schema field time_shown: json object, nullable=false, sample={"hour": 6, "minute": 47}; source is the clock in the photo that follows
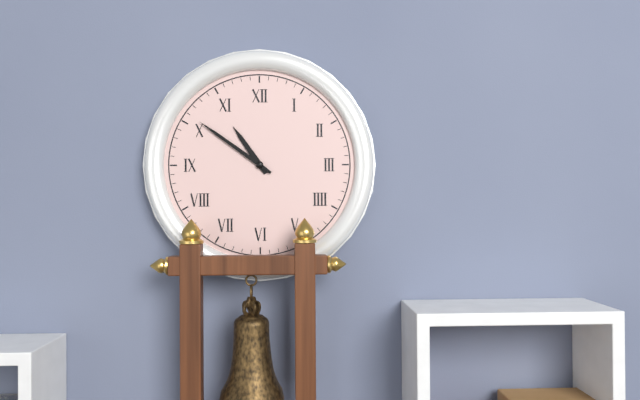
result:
{"hour": 10, "minute": 51}
